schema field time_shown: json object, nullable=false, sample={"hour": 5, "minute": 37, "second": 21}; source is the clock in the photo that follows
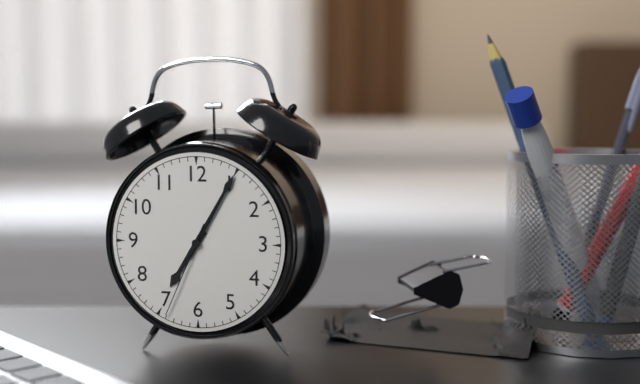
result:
{"hour": 7, "minute": 5, "second": 34}
